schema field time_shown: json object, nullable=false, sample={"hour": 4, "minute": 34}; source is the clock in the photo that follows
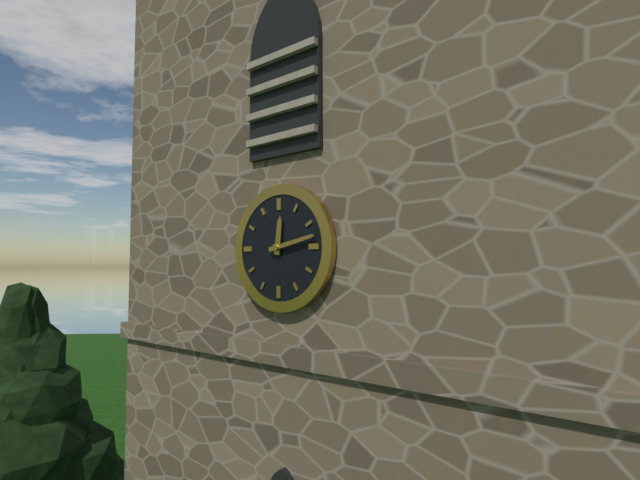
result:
{"hour": 12, "minute": 13}
